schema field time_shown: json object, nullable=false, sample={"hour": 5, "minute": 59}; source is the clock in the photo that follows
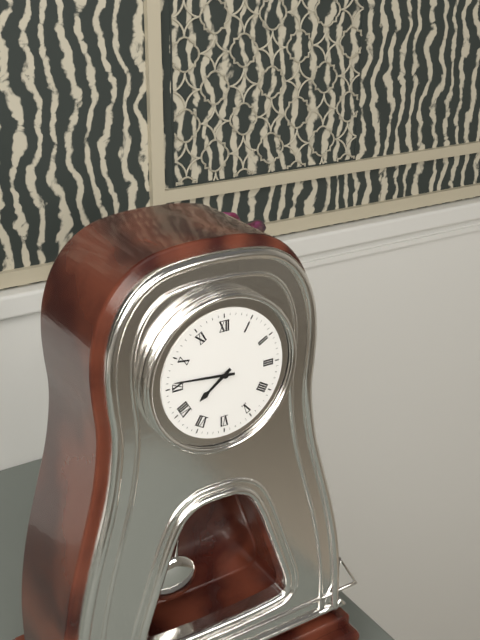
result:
{"hour": 7, "minute": 46}
